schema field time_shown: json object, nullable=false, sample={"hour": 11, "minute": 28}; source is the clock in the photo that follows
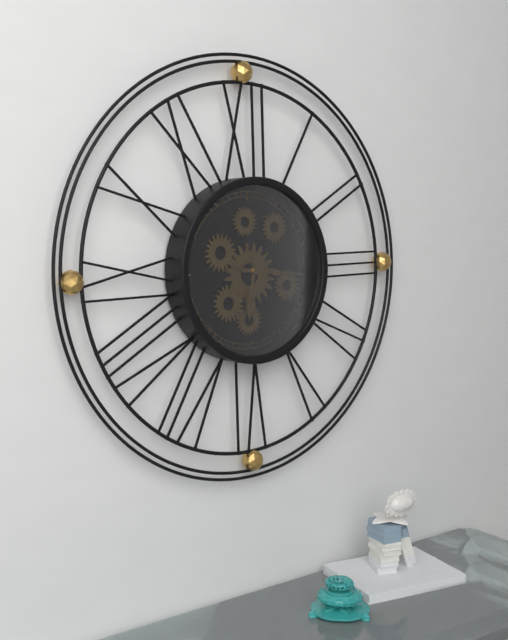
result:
{"hour": 6, "minute": 16}
